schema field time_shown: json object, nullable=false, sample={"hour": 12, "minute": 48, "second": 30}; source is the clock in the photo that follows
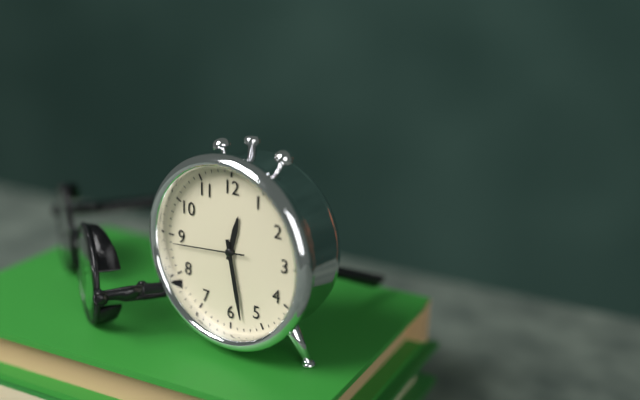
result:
{"hour": 12, "minute": 28, "second": 44}
